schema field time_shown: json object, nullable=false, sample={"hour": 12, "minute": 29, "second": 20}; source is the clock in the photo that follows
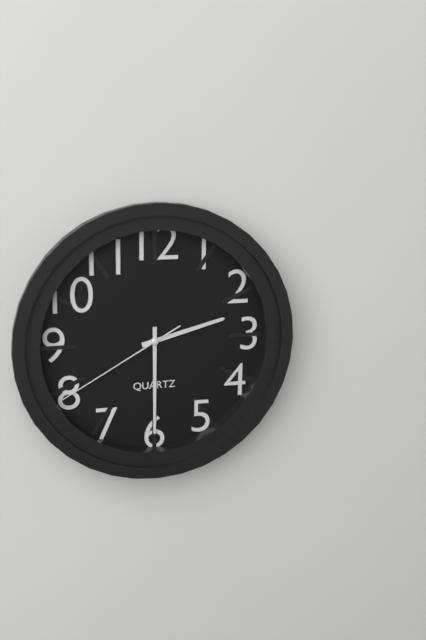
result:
{"hour": 2, "minute": 30, "second": 40}
